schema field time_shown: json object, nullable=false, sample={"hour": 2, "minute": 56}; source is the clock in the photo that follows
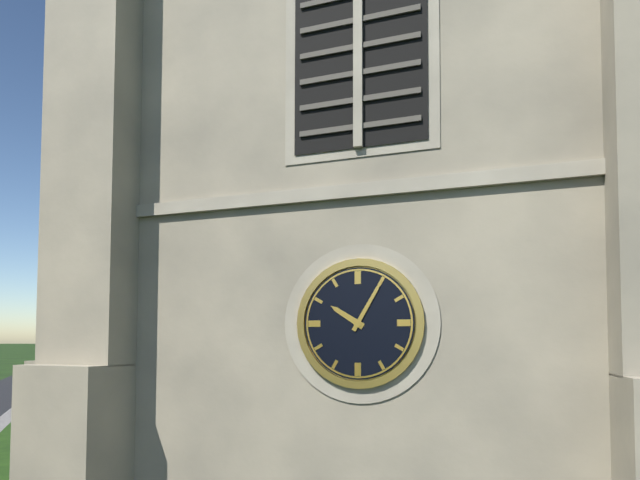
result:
{"hour": 10, "minute": 5}
